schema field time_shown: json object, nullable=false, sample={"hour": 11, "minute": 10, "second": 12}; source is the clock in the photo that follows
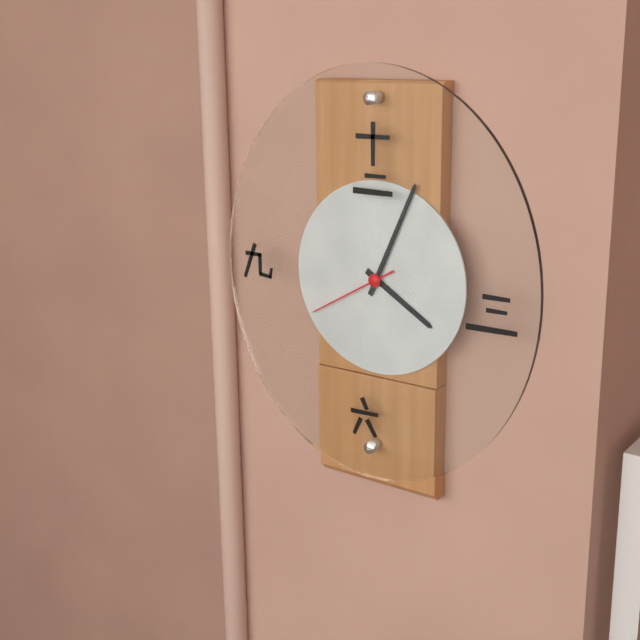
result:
{"hour": 4, "minute": 4, "second": 40}
